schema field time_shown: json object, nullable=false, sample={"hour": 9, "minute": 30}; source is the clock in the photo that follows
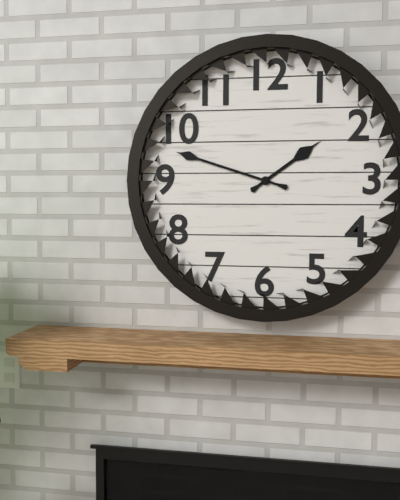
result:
{"hour": 1, "minute": 48}
